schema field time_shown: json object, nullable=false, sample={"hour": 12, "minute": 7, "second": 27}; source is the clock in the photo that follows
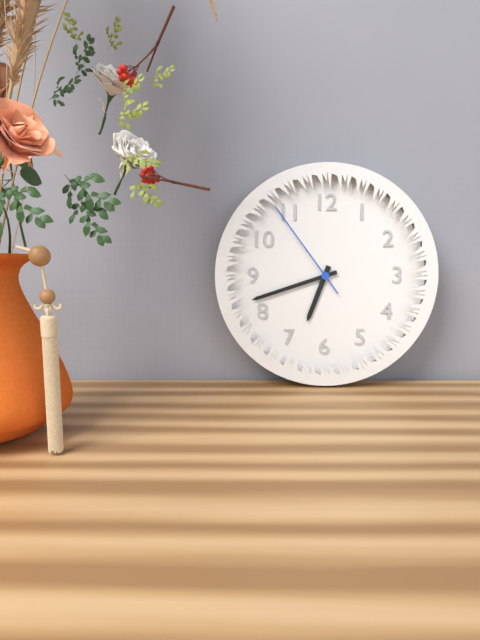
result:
{"hour": 6, "minute": 42, "second": 54}
